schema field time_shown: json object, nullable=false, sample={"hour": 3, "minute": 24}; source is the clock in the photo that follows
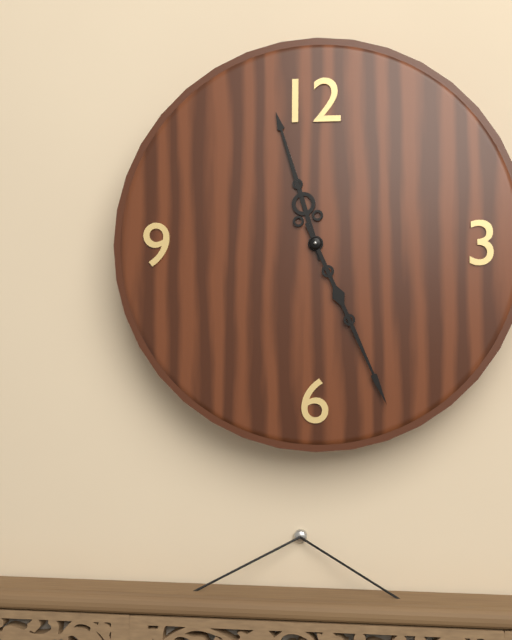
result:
{"hour": 11, "minute": 26}
